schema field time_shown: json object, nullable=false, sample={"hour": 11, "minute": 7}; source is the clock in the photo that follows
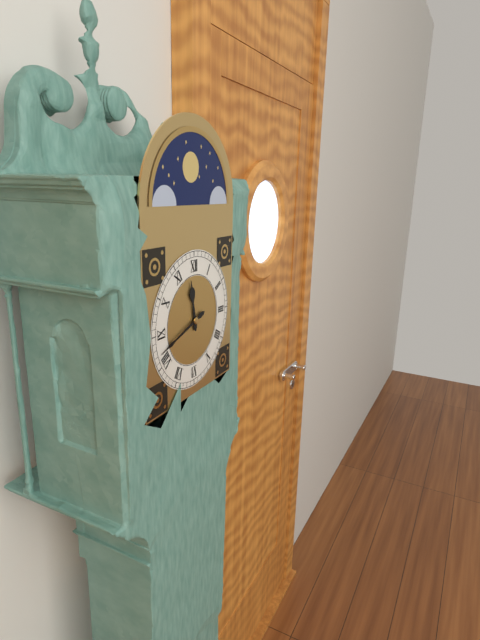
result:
{"hour": 11, "minute": 42}
